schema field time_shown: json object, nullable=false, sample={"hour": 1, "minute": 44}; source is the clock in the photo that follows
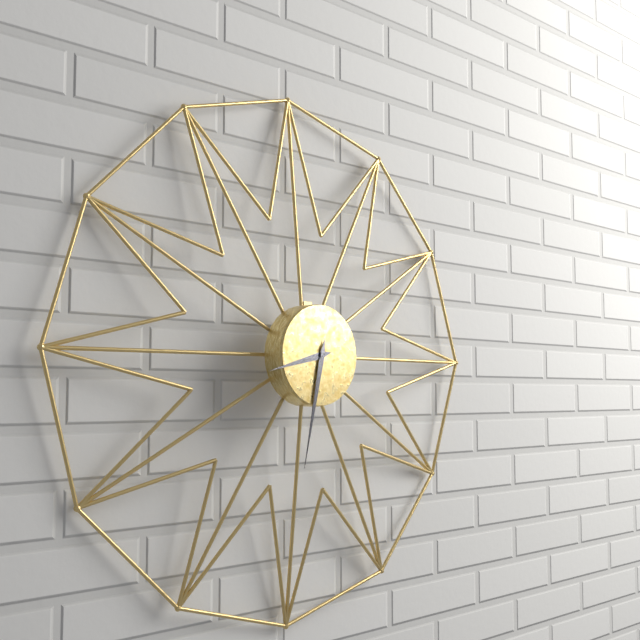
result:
{"hour": 8, "minute": 32}
